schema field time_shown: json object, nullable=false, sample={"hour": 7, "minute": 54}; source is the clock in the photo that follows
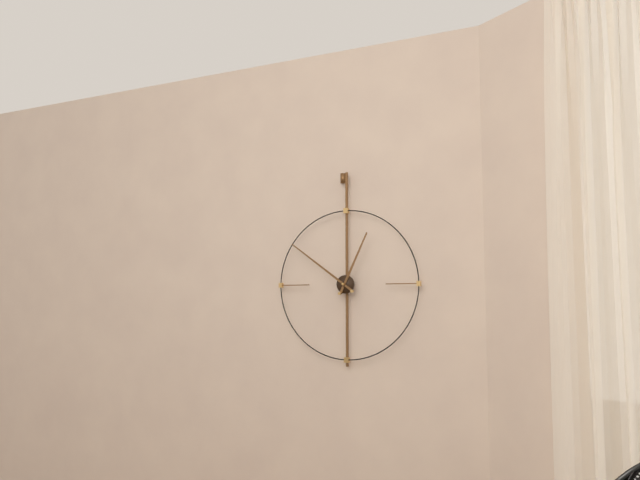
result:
{"hour": 12, "minute": 51}
